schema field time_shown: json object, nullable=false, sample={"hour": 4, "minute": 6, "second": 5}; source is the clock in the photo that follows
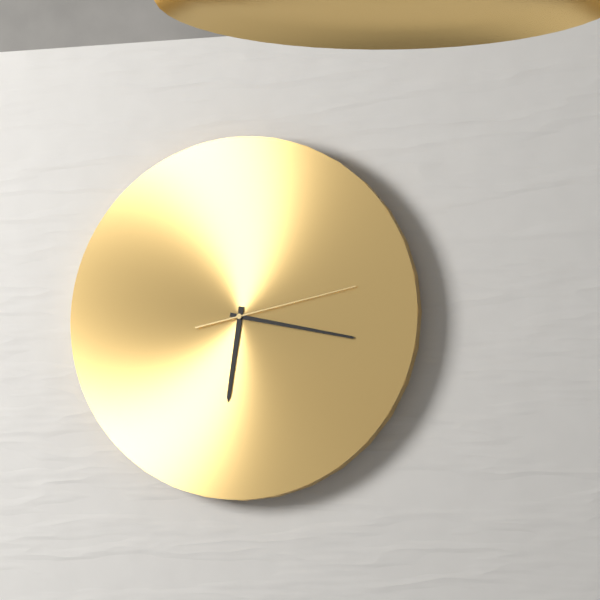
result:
{"hour": 6, "minute": 17, "second": 13}
